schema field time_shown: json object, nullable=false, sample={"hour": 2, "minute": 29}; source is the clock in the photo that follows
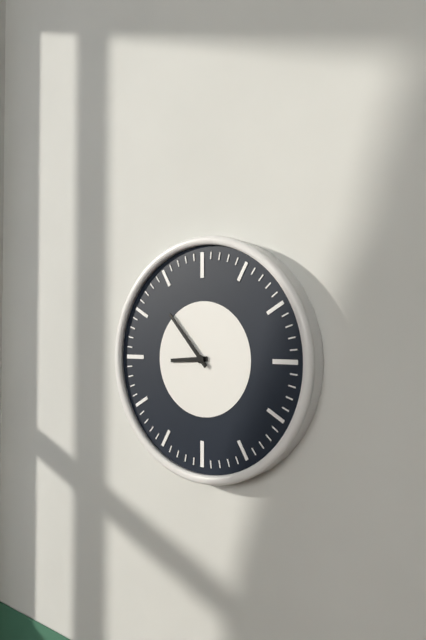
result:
{"hour": 8, "minute": 53}
